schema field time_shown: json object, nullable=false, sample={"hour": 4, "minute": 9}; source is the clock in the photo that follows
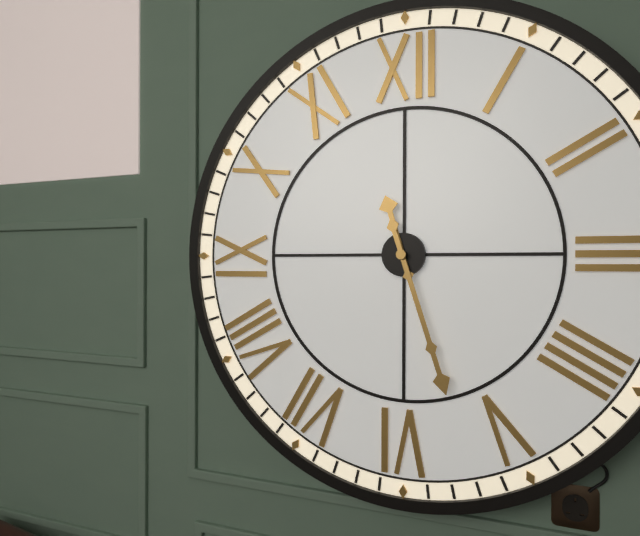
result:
{"hour": 11, "minute": 27}
